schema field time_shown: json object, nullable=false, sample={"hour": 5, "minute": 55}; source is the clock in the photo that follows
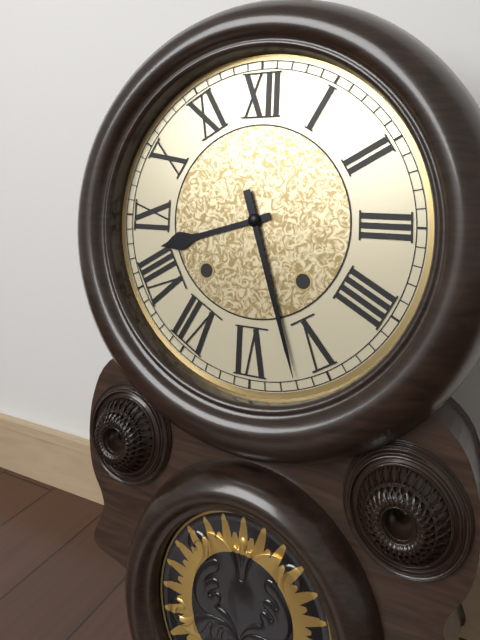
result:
{"hour": 8, "minute": 27}
